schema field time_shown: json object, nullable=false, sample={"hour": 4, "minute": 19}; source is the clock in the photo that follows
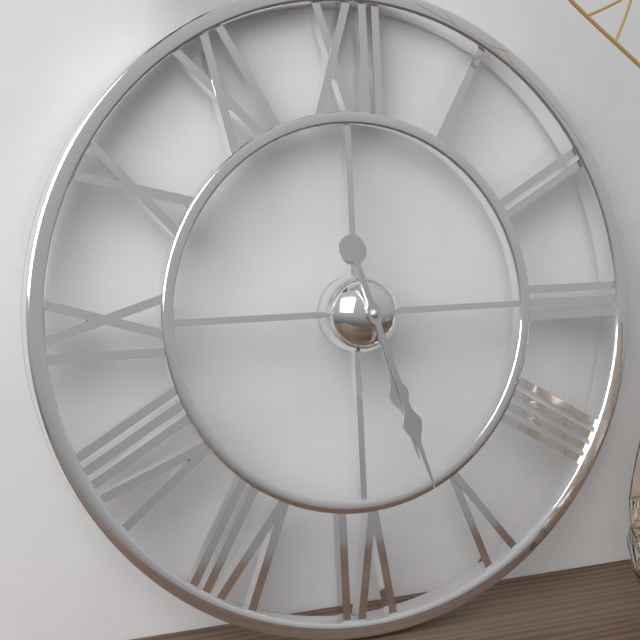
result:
{"hour": 5, "minute": 27}
